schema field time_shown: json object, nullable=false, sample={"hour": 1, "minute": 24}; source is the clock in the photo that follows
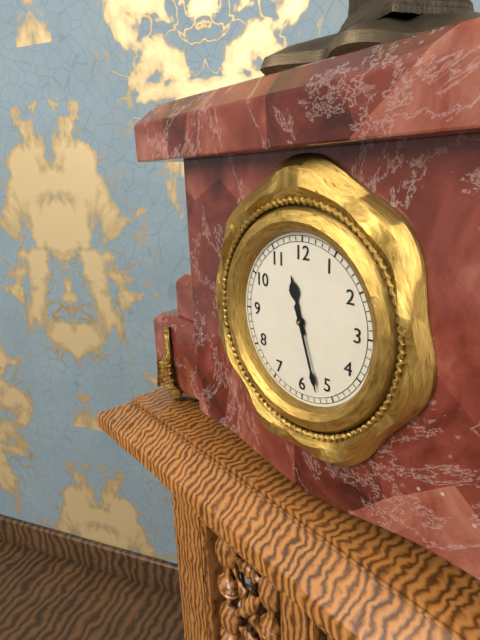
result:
{"hour": 11, "minute": 27}
